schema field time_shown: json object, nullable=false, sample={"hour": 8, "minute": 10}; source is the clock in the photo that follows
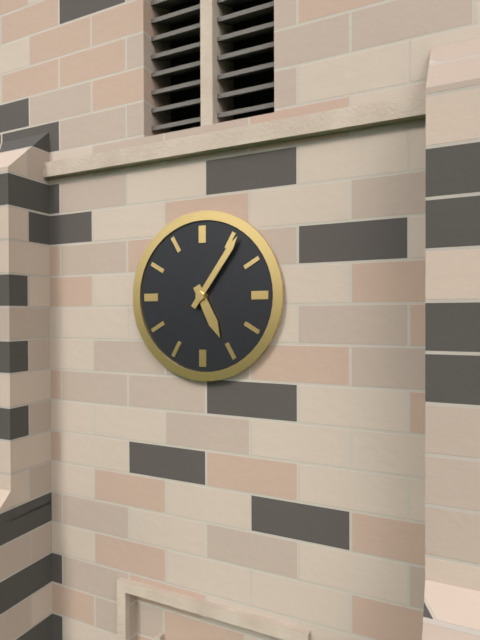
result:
{"hour": 5, "minute": 6}
